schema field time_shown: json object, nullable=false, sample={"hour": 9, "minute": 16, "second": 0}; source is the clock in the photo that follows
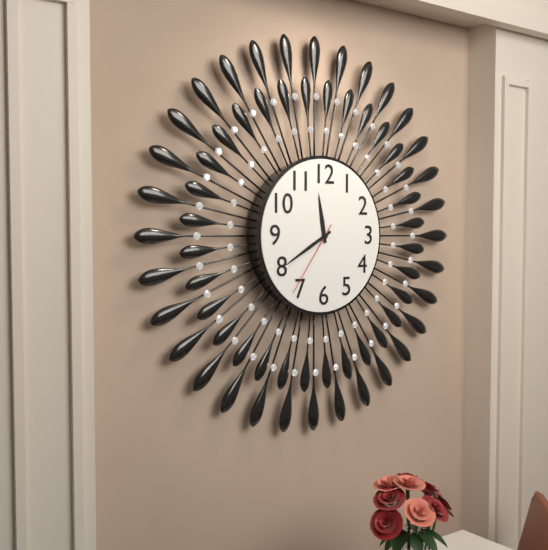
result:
{"hour": 11, "minute": 40, "second": 36}
